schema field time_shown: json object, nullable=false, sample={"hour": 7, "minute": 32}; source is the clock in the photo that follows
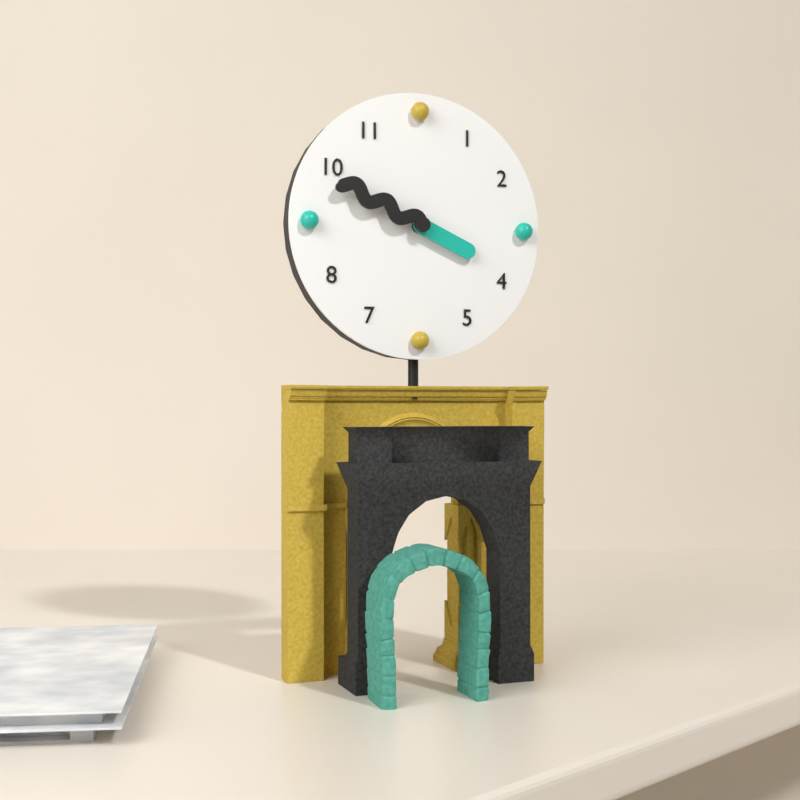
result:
{"hour": 3, "minute": 49}
